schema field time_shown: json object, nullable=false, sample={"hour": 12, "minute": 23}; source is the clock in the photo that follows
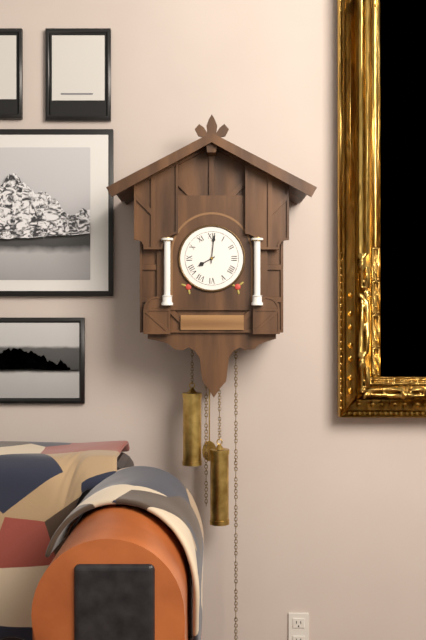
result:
{"hour": 8, "minute": 1}
